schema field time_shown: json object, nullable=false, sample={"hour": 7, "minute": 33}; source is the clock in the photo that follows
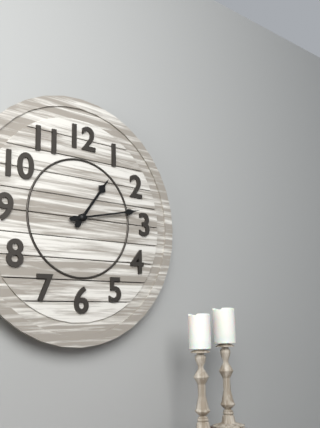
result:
{"hour": 1, "minute": 13}
